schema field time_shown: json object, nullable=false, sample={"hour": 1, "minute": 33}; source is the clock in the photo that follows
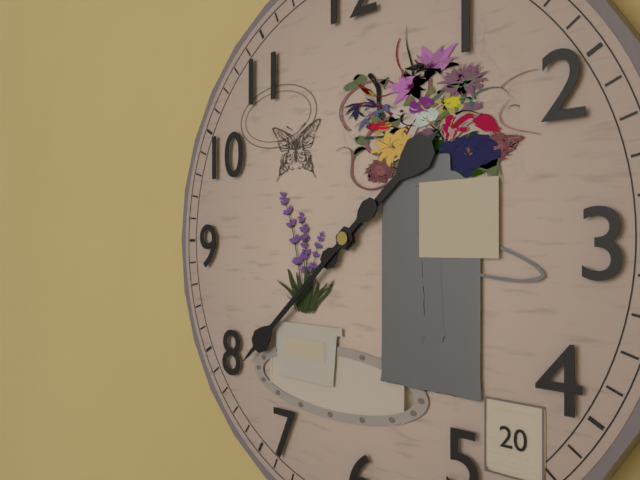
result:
{"hour": 1, "minute": 38}
